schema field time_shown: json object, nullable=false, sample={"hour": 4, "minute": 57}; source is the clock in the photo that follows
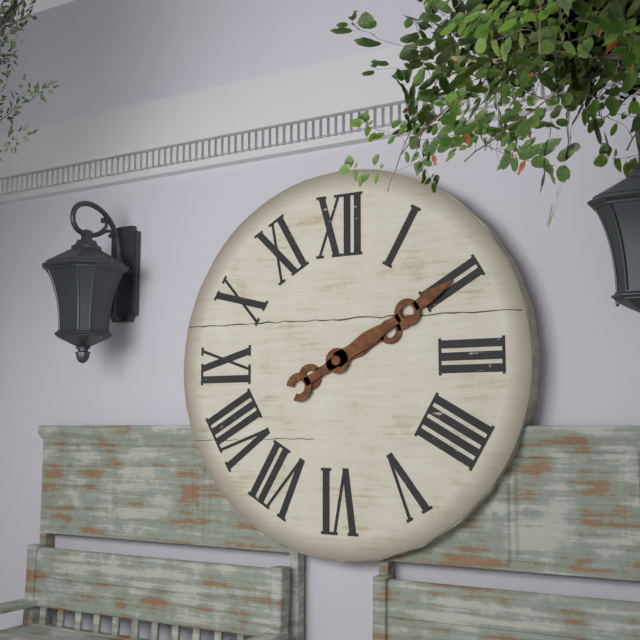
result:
{"hour": 2, "minute": 10}
